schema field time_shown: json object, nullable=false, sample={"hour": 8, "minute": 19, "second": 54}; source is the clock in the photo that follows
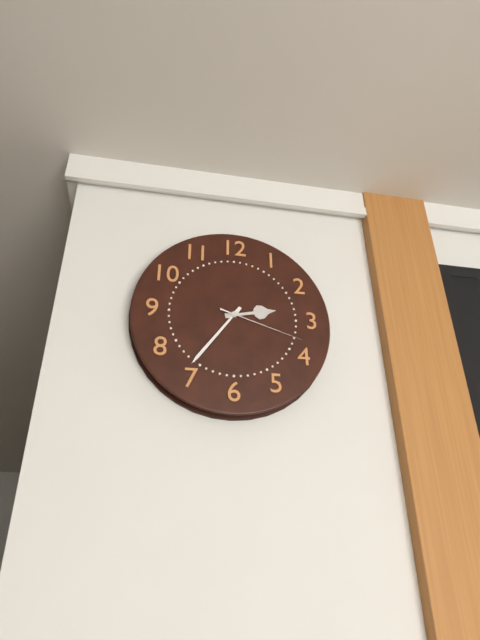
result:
{"hour": 2, "minute": 36, "second": 18}
